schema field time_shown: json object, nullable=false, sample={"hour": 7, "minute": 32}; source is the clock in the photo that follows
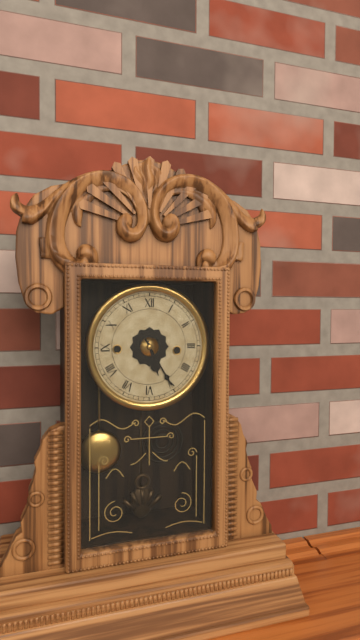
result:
{"hour": 5, "minute": 25}
